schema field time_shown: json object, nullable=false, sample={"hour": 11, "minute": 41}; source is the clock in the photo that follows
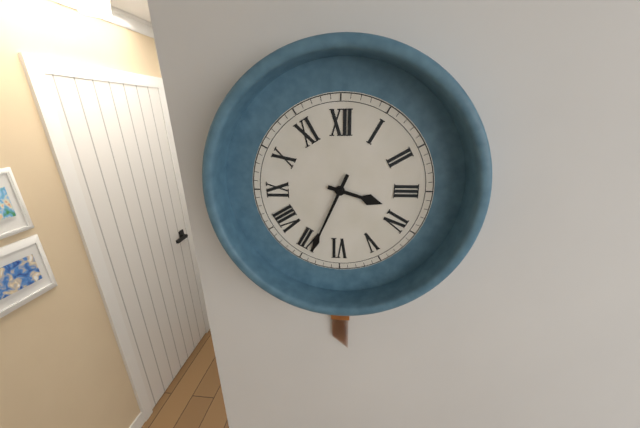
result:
{"hour": 3, "minute": 34}
